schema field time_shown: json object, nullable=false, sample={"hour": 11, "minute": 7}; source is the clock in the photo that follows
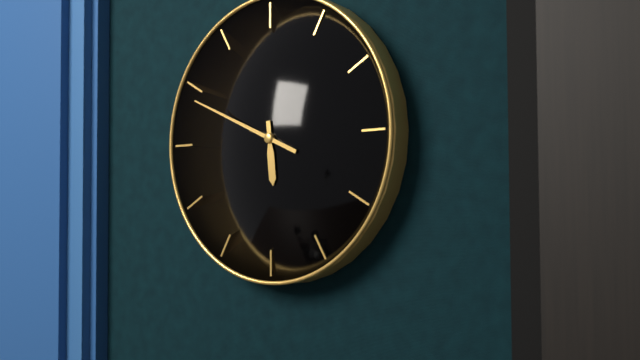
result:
{"hour": 5, "minute": 49}
